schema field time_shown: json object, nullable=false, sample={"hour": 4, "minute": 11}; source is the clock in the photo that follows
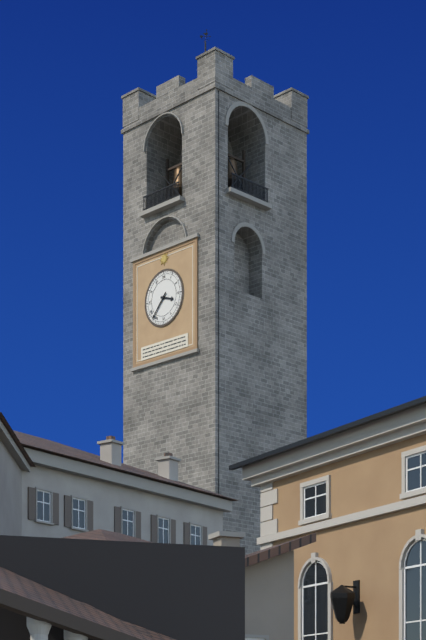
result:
{"hour": 3, "minute": 37}
